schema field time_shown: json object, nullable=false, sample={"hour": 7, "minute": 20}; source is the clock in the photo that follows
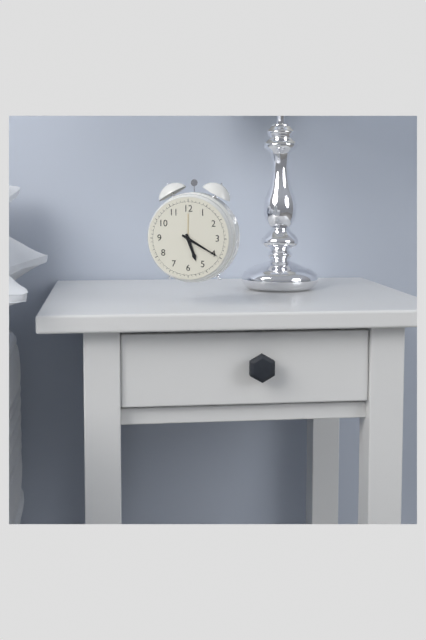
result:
{"hour": 5, "minute": 20}
